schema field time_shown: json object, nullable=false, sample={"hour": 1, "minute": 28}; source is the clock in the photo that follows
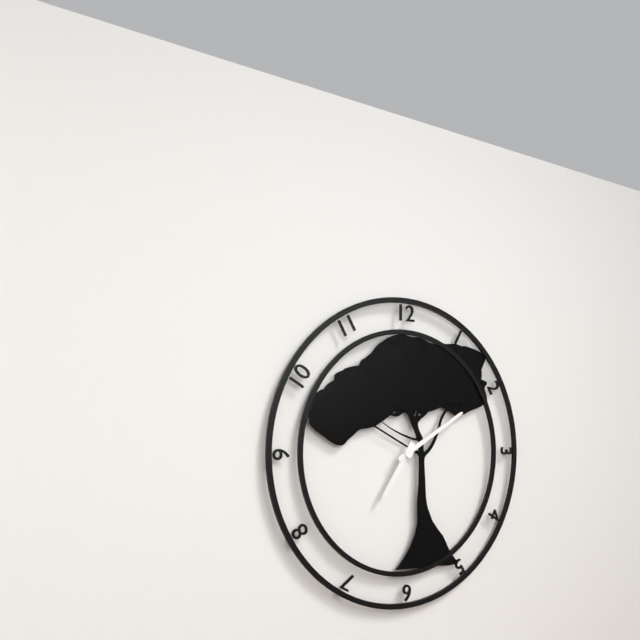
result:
{"hour": 7, "minute": 10}
